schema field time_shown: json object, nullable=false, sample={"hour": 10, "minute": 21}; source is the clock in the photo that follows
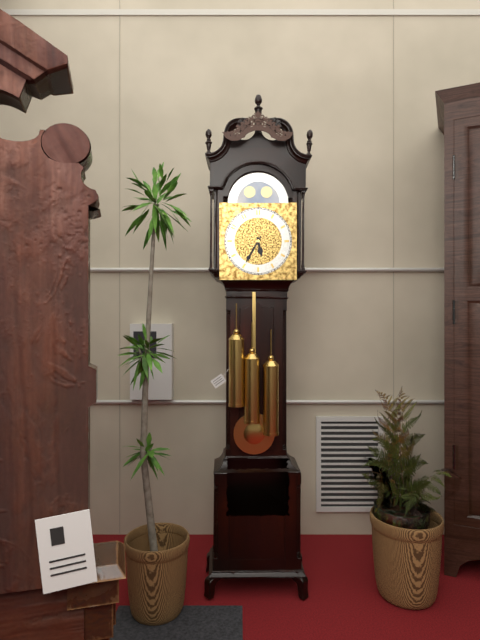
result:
{"hour": 5, "minute": 35}
